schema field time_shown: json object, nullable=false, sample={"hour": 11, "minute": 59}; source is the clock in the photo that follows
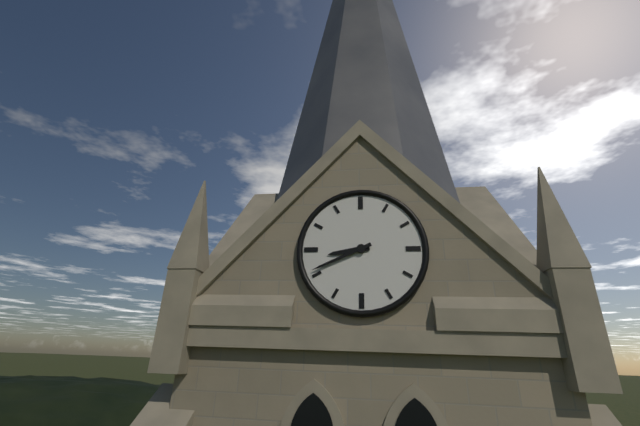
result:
{"hour": 8, "minute": 41}
